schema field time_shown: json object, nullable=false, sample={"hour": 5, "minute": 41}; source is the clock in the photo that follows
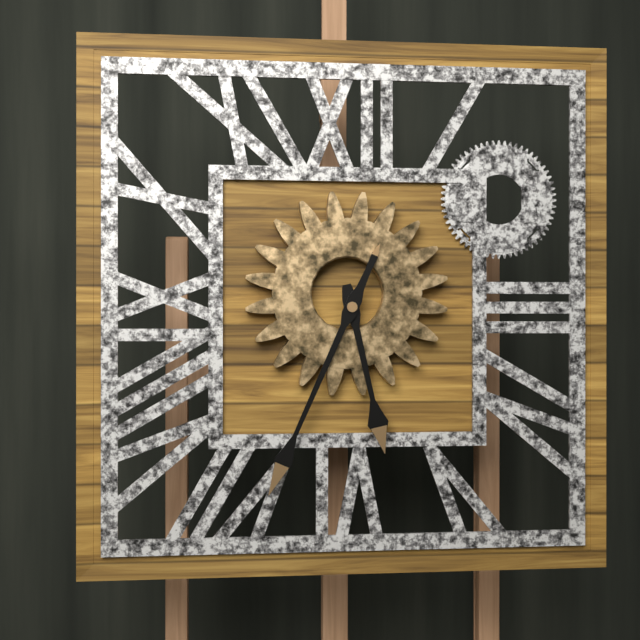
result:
{"hour": 5, "minute": 34}
